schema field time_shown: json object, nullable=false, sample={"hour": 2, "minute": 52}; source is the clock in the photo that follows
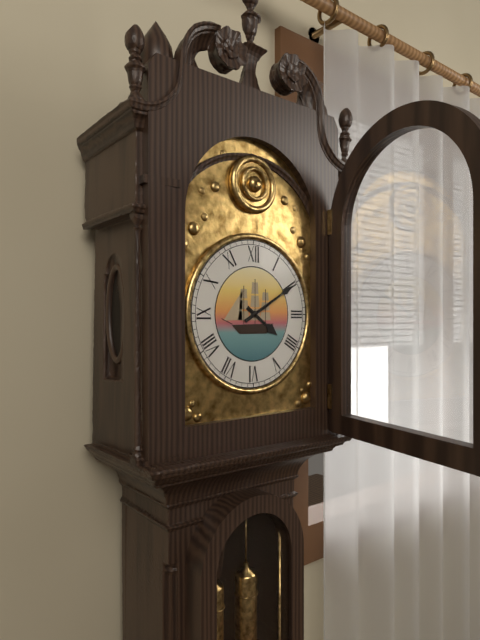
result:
{"hour": 4, "minute": 10}
